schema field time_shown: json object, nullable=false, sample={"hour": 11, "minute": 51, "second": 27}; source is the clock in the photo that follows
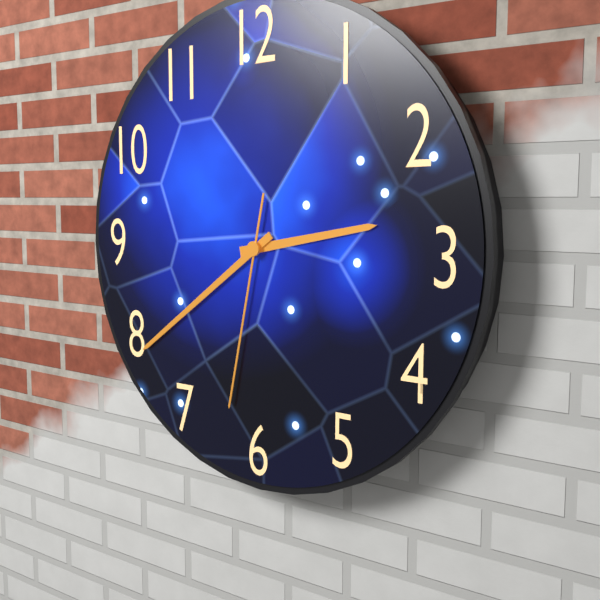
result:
{"hour": 2, "minute": 39, "second": 32}
